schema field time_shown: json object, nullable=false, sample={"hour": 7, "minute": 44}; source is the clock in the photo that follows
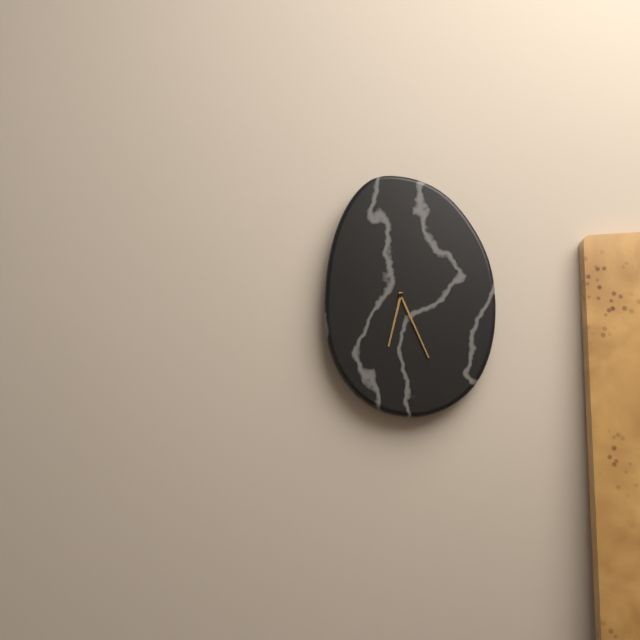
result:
{"hour": 6, "minute": 26}
